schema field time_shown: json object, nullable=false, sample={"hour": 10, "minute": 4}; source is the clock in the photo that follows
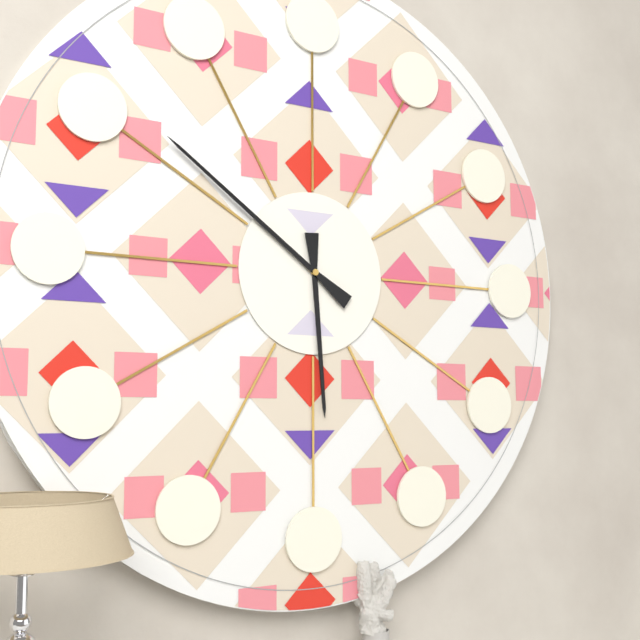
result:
{"hour": 5, "minute": 51}
